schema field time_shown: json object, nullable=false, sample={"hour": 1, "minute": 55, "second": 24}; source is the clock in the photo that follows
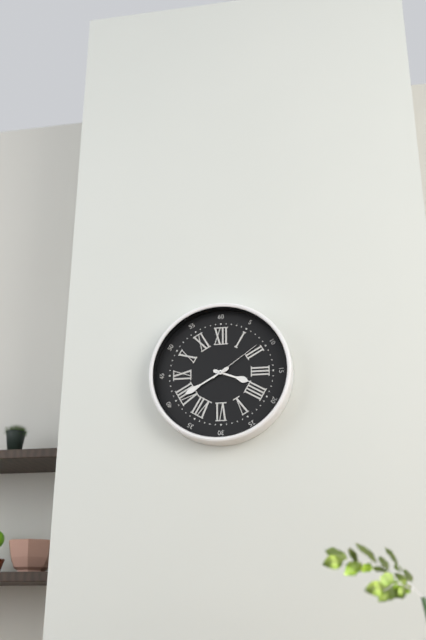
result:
{"hour": 3, "minute": 40, "second": 9}
